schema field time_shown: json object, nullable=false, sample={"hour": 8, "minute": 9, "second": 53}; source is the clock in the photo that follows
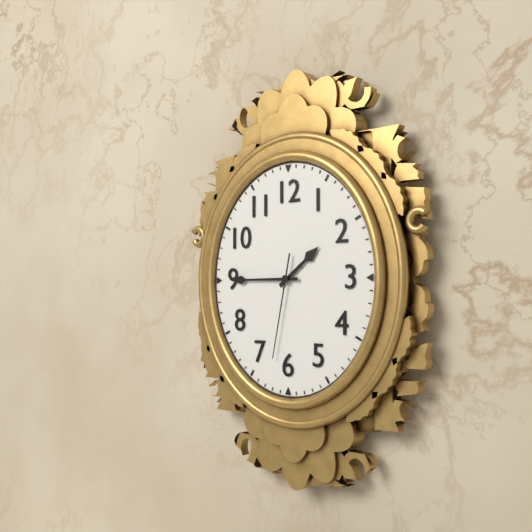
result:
{"hour": 1, "minute": 45, "second": 32}
